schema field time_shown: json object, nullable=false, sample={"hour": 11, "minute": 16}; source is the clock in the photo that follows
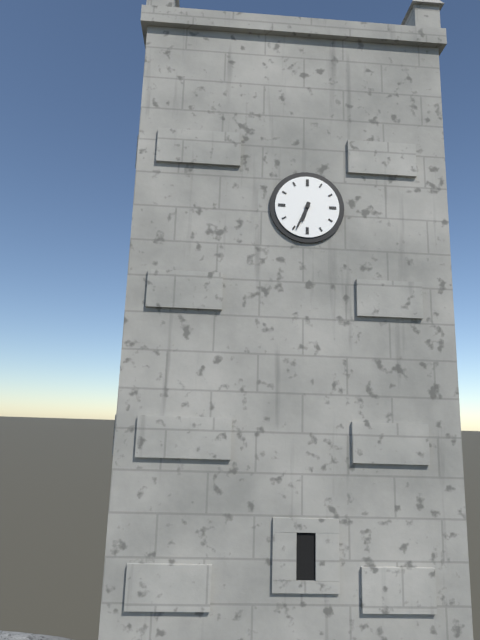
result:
{"hour": 6, "minute": 34}
